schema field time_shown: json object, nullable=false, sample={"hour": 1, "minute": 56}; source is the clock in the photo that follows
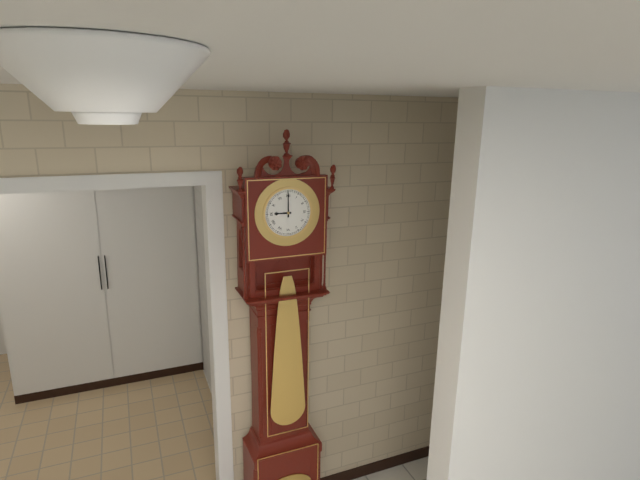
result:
{"hour": 9, "minute": 0}
